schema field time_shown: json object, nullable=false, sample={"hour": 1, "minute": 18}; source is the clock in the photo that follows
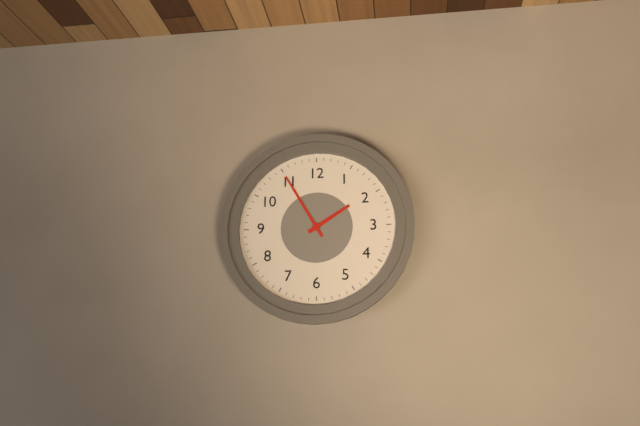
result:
{"hour": 1, "minute": 55}
